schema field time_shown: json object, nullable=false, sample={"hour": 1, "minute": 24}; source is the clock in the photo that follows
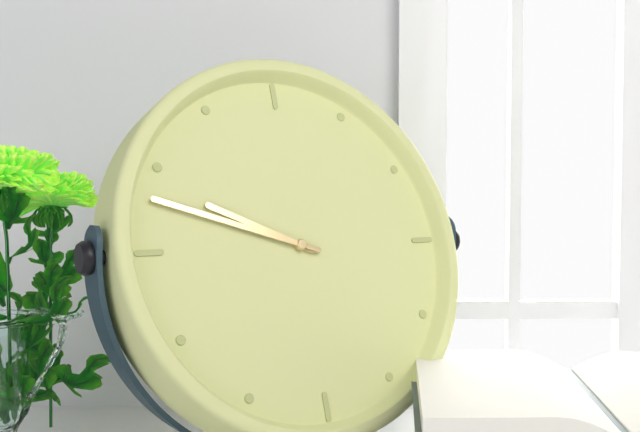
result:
{"hour": 9, "minute": 48}
